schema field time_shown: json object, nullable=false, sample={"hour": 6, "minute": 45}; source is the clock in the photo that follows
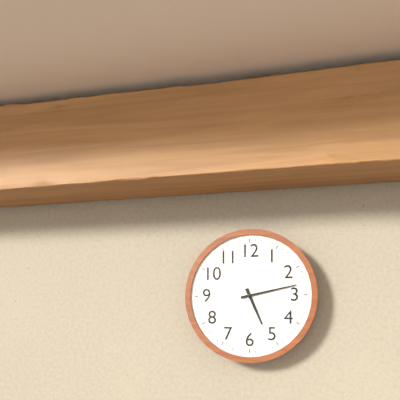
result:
{"hour": 5, "minute": 13}
